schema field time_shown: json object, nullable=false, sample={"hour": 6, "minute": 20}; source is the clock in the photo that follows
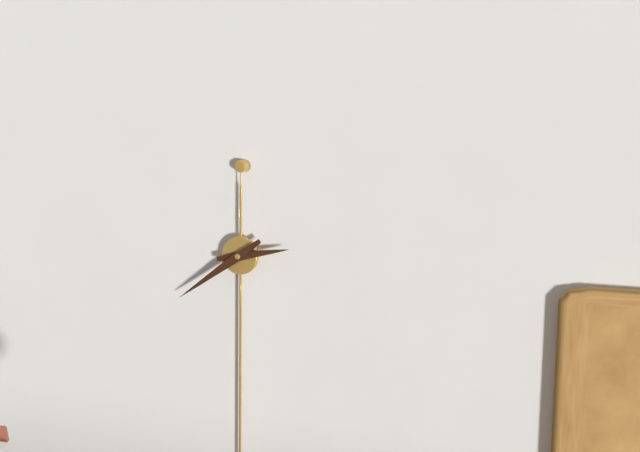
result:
{"hour": 2, "minute": 39}
